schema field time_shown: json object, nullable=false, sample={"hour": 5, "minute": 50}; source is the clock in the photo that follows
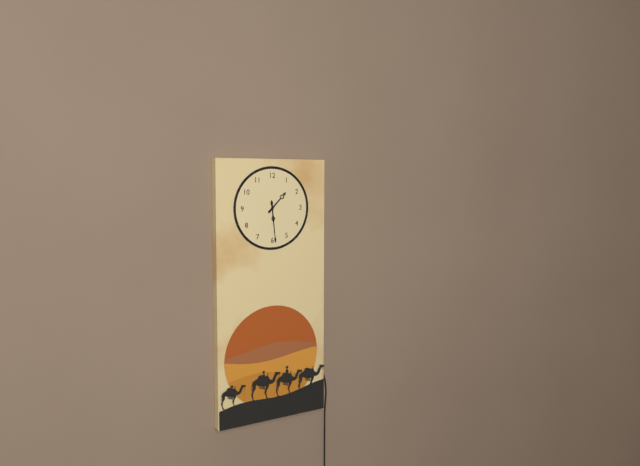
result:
{"hour": 1, "minute": 29}
